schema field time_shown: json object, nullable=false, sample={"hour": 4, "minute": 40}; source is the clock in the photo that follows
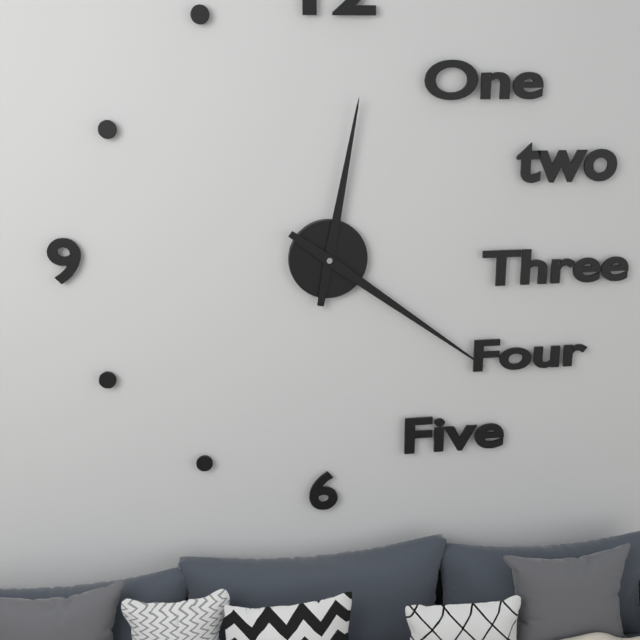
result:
{"hour": 12, "minute": 21}
